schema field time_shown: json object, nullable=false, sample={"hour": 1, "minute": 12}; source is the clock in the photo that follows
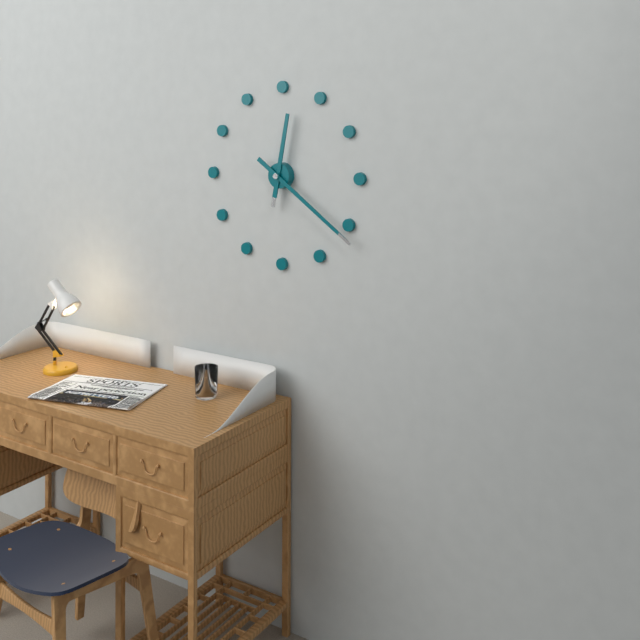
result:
{"hour": 12, "minute": 21}
